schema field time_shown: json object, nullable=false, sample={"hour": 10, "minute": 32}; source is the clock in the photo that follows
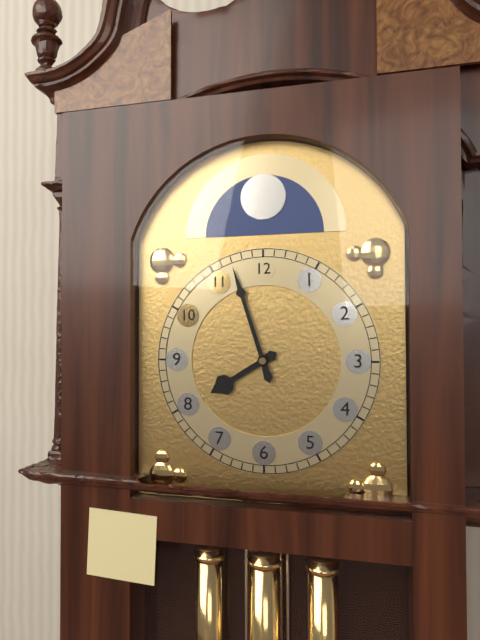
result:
{"hour": 7, "minute": 57}
